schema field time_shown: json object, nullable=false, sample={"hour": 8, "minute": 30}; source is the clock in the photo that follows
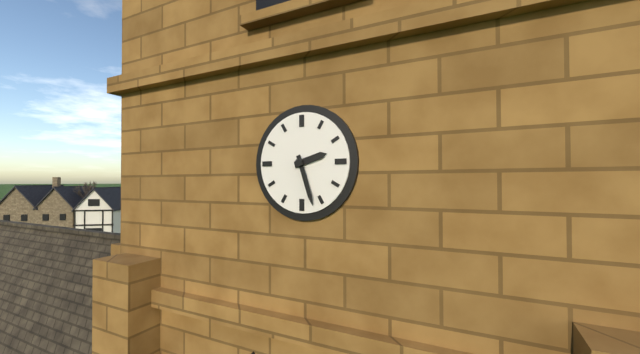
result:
{"hour": 2, "minute": 27}
